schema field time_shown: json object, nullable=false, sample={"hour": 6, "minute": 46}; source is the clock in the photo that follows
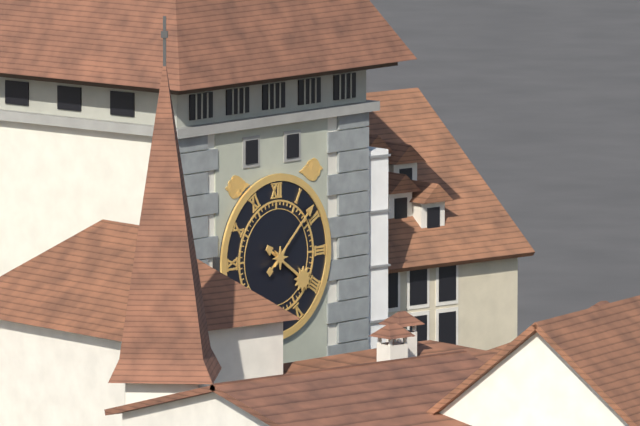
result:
{"hour": 4, "minute": 8}
